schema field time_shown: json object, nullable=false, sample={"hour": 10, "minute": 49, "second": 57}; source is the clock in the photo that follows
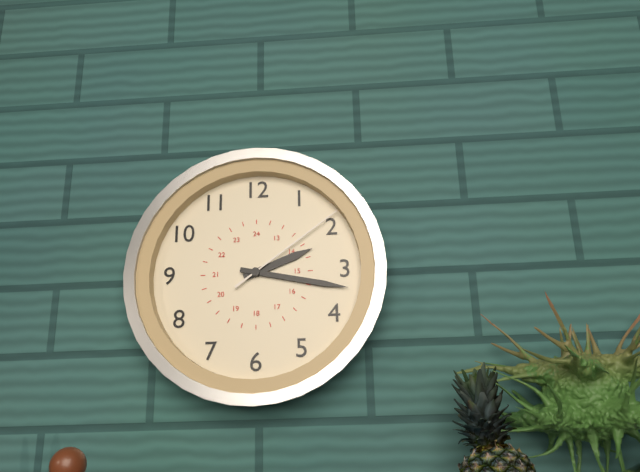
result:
{"hour": 2, "minute": 17, "second": 9}
